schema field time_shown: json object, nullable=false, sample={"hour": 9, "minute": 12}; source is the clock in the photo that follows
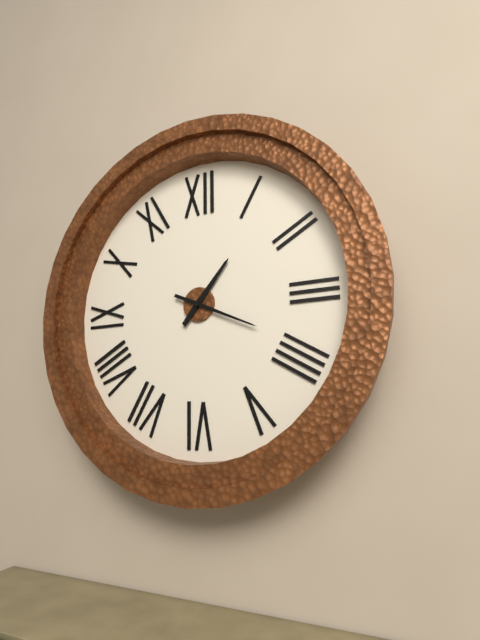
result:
{"hour": 1, "minute": 19}
